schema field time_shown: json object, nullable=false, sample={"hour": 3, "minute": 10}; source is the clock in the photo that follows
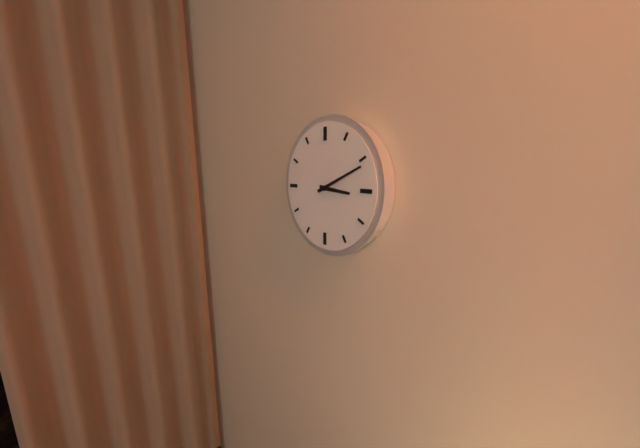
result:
{"hour": 3, "minute": 11}
